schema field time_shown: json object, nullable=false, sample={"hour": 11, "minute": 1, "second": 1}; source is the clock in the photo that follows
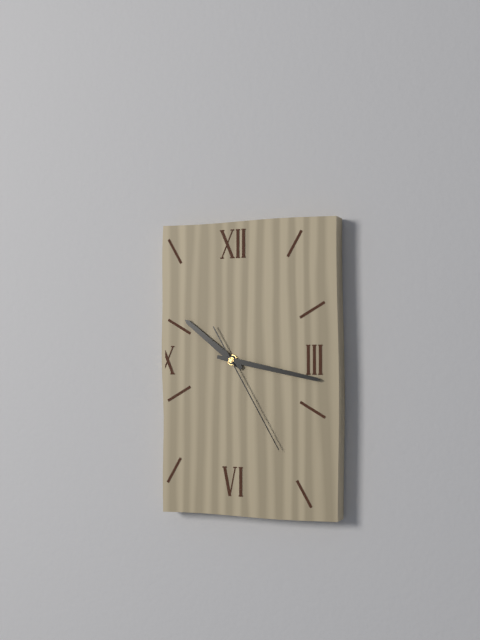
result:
{"hour": 10, "minute": 17, "second": 25}
